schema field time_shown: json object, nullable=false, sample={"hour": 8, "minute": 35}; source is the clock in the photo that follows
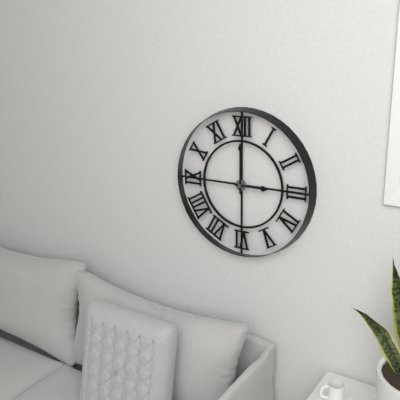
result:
{"hour": 3, "minute": 0}
